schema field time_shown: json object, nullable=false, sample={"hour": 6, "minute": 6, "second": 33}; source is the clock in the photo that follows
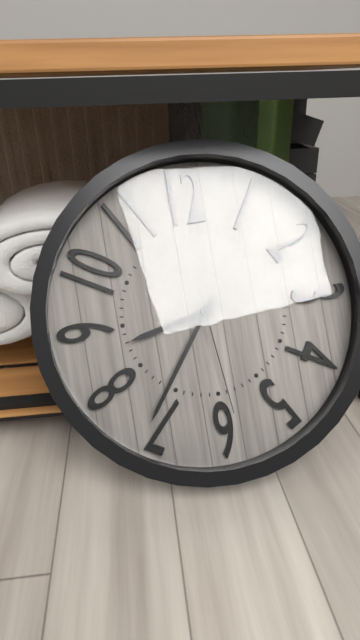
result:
{"hour": 8, "minute": 36, "second": 29}
